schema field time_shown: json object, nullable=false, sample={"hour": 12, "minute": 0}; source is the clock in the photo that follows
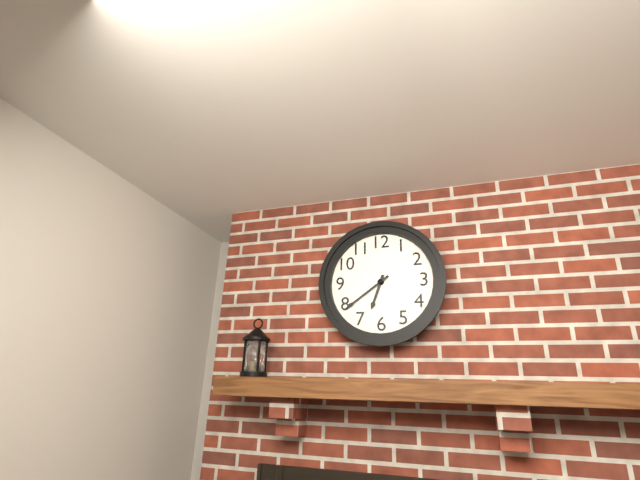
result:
{"hour": 6, "minute": 39}
